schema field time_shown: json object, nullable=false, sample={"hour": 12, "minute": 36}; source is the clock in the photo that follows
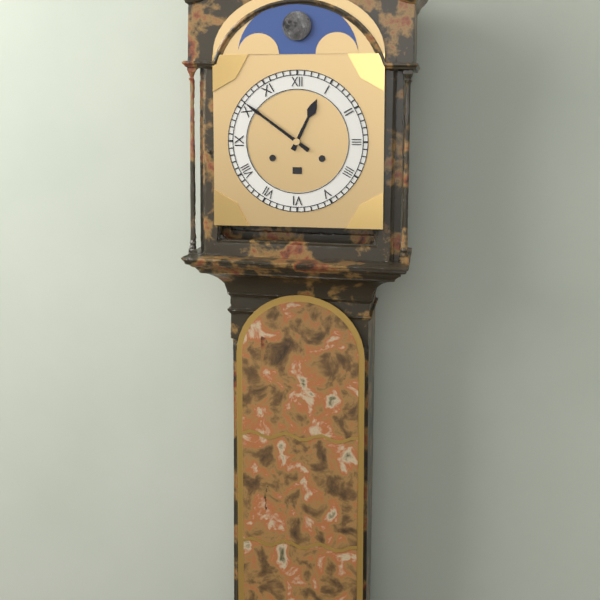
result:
{"hour": 12, "minute": 51}
